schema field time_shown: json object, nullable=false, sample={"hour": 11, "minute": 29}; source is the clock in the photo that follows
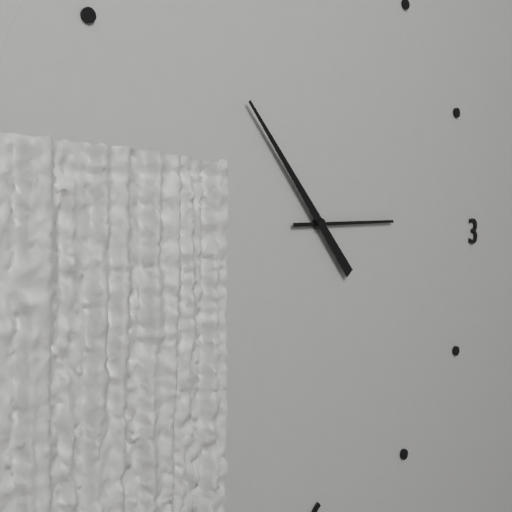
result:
{"hour": 2, "minute": 53}
